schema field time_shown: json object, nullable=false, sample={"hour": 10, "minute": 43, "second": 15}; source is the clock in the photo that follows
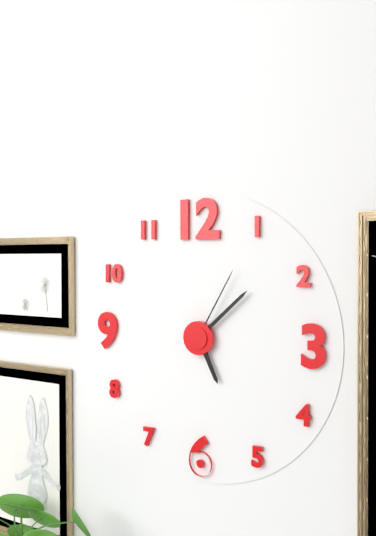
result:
{"hour": 5, "minute": 8, "second": 5}
